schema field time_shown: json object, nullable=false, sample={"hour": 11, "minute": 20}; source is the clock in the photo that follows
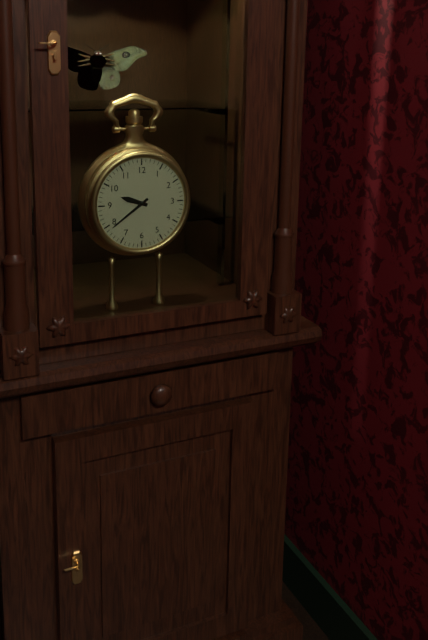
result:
{"hour": 9, "minute": 39}
